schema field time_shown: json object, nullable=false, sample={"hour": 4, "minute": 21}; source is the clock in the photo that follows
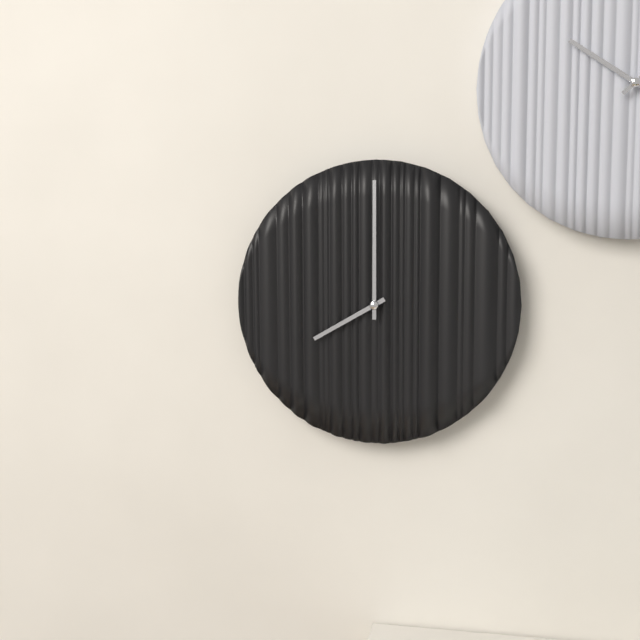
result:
{"hour": 8, "minute": 0}
